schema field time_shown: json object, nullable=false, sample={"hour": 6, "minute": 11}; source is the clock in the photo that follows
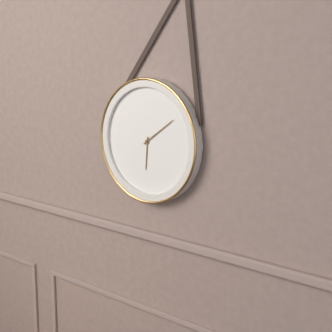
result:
{"hour": 6, "minute": 9}
